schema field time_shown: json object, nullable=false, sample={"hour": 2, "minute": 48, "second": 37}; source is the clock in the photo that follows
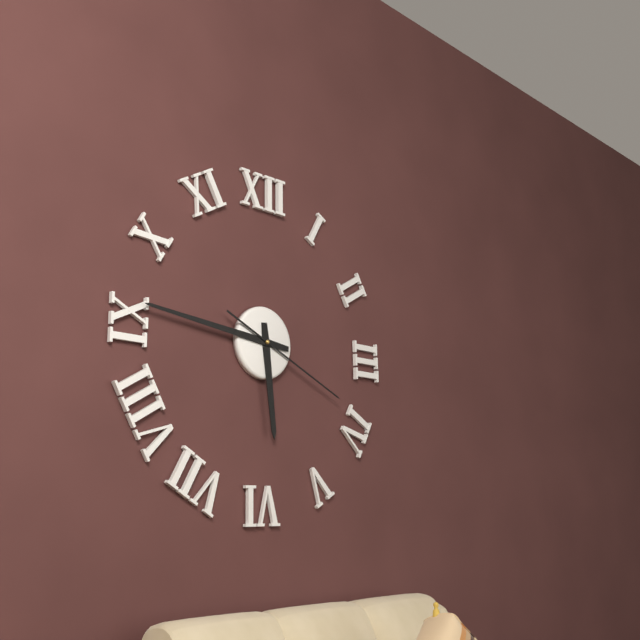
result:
{"hour": 5, "minute": 46, "second": 19}
